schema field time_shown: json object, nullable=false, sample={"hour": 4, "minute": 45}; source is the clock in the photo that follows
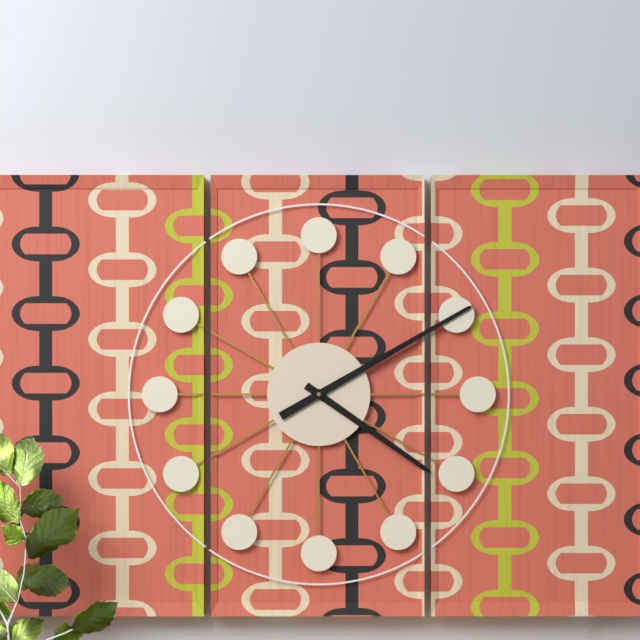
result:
{"hour": 4, "minute": 10}
